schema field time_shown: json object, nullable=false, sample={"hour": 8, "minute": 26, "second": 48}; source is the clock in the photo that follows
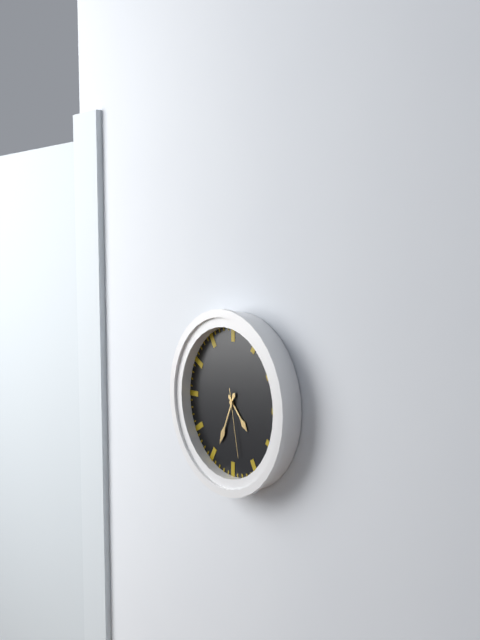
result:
{"hour": 4, "minute": 34, "second": 28}
